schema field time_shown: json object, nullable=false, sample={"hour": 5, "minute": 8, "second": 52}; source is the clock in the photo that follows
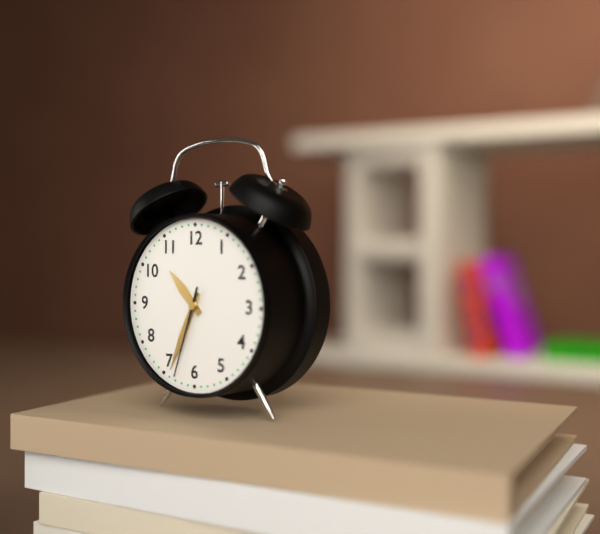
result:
{"hour": 10, "minute": 34, "second": 33}
